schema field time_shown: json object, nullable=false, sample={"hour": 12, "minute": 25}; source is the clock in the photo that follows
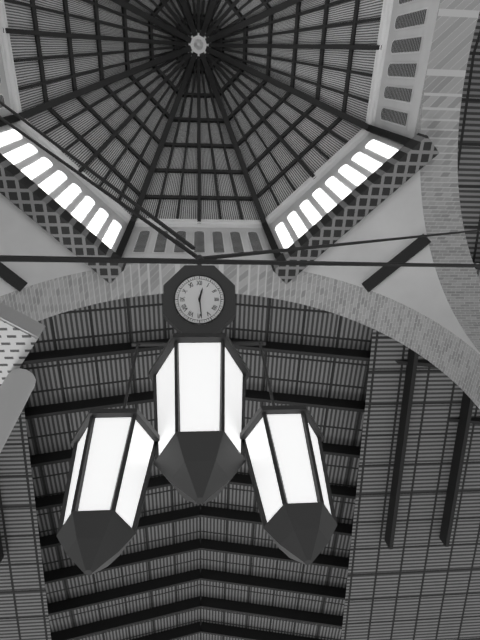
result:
{"hour": 12, "minute": 29}
